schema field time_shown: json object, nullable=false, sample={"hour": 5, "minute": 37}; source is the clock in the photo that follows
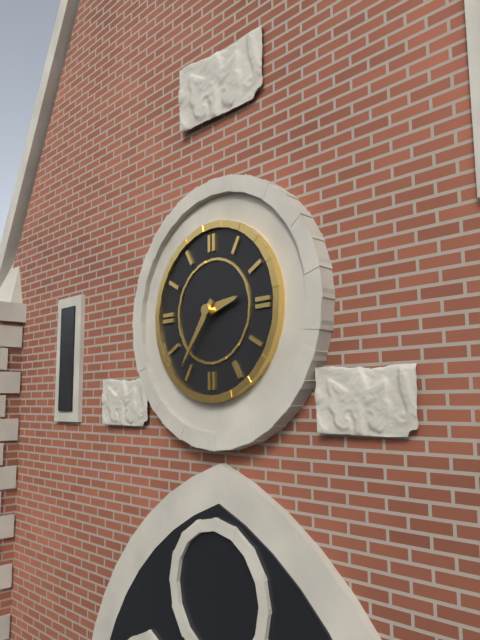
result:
{"hour": 2, "minute": 36}
